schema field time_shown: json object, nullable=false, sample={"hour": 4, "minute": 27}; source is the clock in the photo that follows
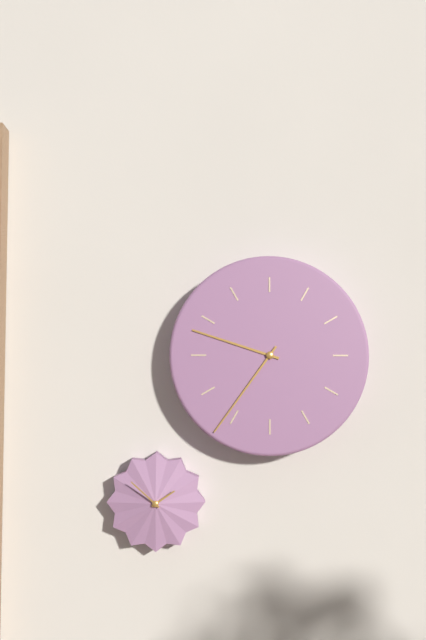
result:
{"hour": 9, "minute": 36}
